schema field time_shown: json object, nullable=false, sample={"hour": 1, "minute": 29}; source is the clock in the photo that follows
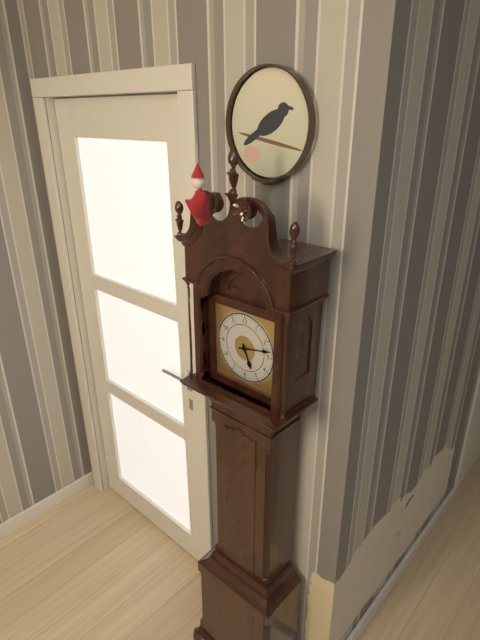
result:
{"hour": 5, "minute": 13}
